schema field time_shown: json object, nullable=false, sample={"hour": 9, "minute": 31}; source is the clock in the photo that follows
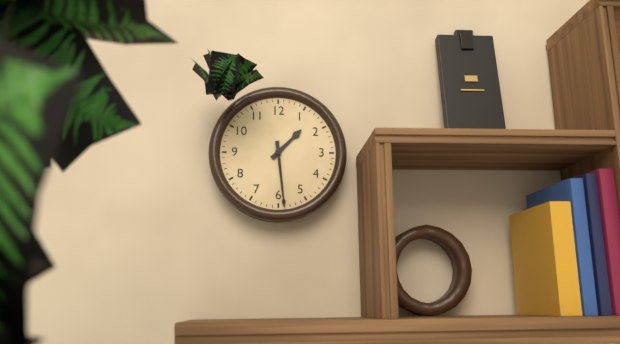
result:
{"hour": 1, "minute": 29}
